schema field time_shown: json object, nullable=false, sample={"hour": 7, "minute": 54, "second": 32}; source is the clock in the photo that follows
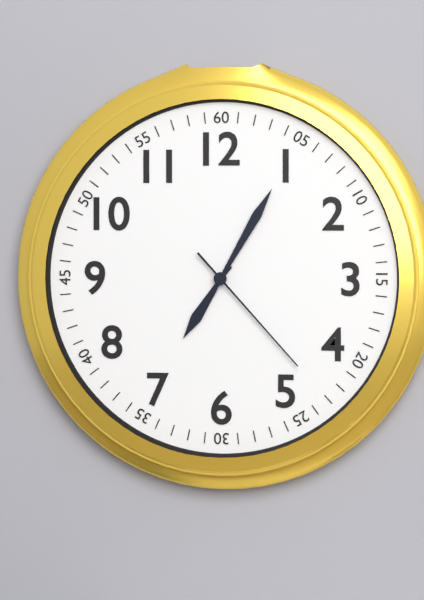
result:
{"hour": 7, "minute": 5, "second": 23}
